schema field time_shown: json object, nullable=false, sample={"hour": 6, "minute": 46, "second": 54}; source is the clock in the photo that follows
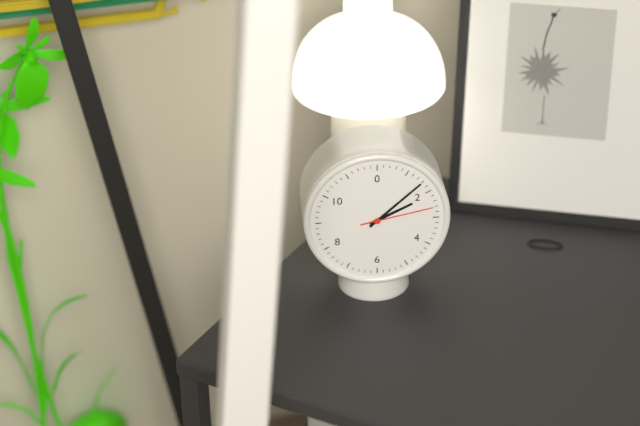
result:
{"hour": 2, "minute": 8, "second": 13}
